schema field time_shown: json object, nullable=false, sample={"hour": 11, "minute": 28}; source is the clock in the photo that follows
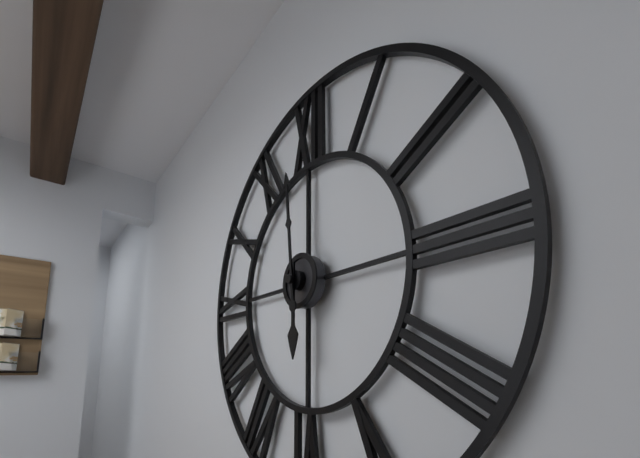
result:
{"hour": 5, "minute": 59}
